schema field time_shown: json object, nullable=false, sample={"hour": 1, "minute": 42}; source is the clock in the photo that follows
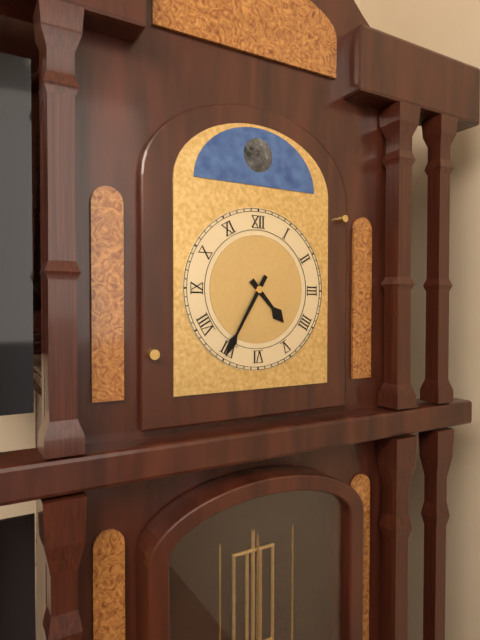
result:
{"hour": 4, "minute": 35}
